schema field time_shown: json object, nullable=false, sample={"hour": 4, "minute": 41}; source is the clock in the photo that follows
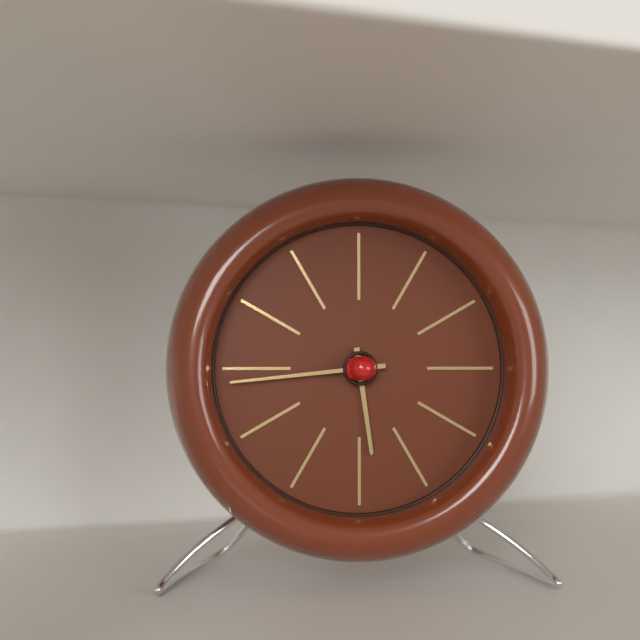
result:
{"hour": 5, "minute": 44}
